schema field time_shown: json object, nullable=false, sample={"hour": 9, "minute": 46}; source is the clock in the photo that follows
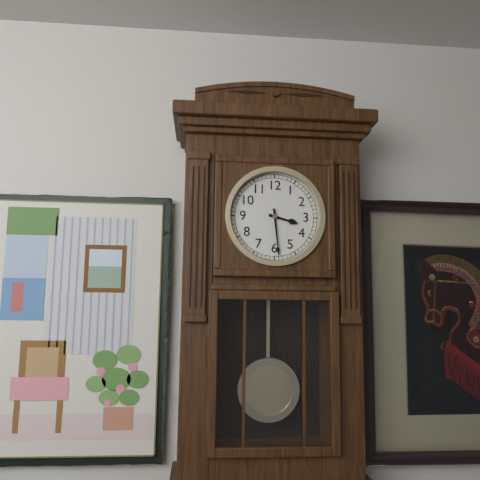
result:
{"hour": 3, "minute": 29}
